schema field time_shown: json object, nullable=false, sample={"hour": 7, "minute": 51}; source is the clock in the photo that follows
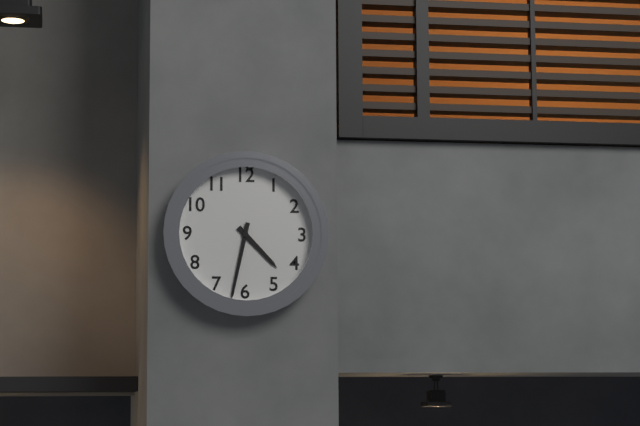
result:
{"hour": 4, "minute": 32}
